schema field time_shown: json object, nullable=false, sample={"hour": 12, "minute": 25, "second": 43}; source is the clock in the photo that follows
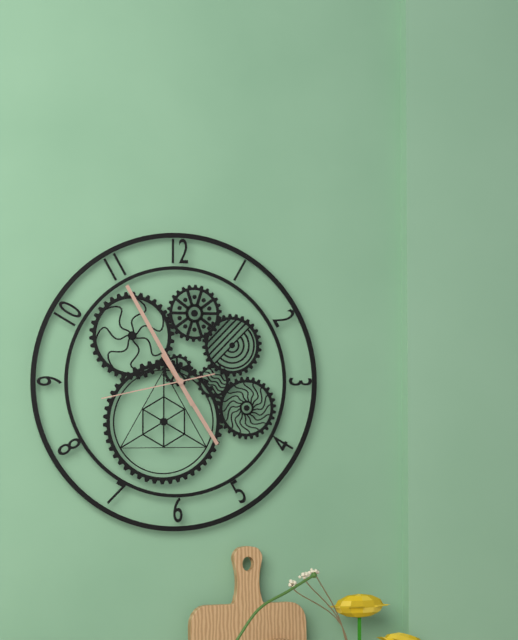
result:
{"hour": 4, "minute": 55, "second": 43}
